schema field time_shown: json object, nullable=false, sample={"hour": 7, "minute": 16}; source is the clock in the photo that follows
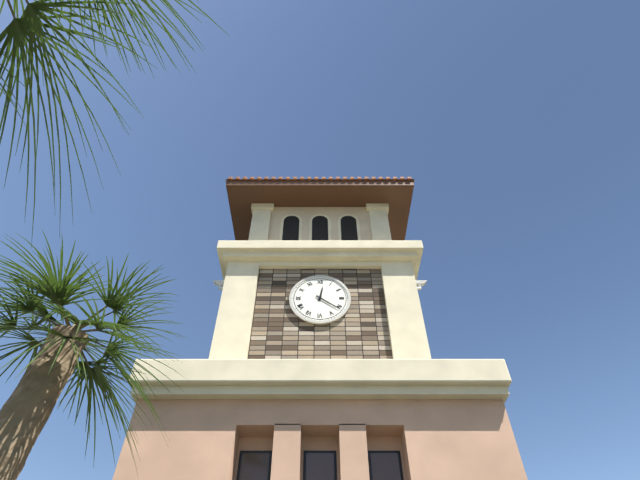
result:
{"hour": 12, "minute": 21}
